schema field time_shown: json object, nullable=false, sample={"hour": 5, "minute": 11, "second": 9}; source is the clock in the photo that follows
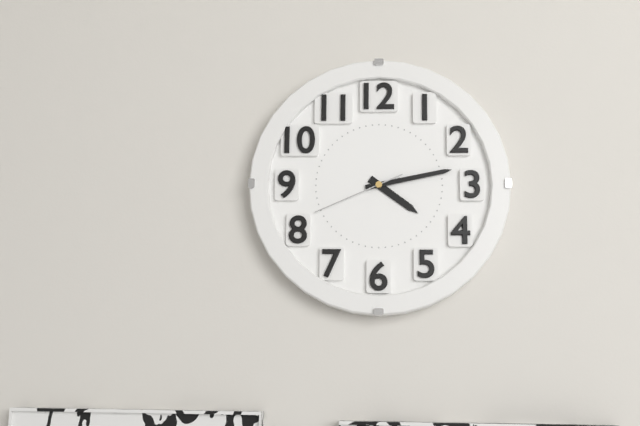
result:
{"hour": 4, "minute": 13, "second": 41}
